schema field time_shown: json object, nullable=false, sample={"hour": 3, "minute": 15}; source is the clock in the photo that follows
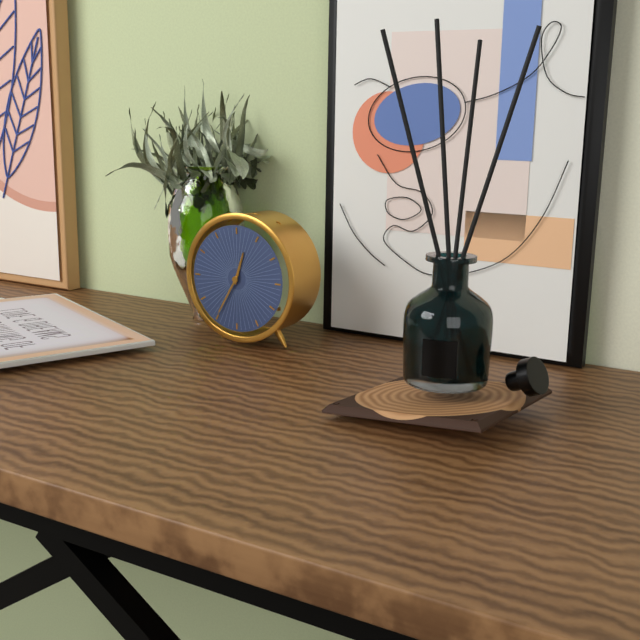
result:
{"hour": 12, "minute": 35}
